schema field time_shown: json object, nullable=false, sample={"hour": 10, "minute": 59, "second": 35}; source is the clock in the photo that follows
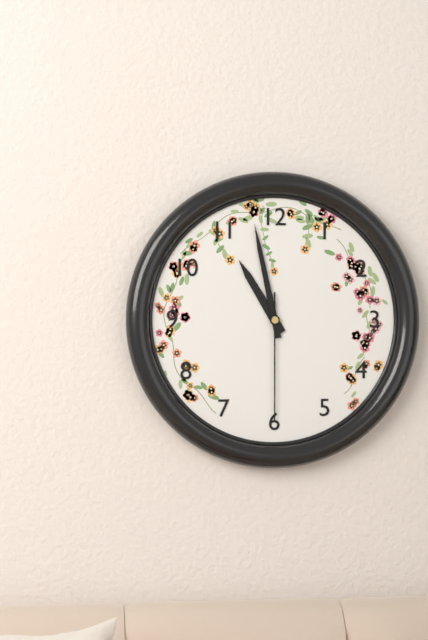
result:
{"hour": 10, "minute": 58, "second": 30}
